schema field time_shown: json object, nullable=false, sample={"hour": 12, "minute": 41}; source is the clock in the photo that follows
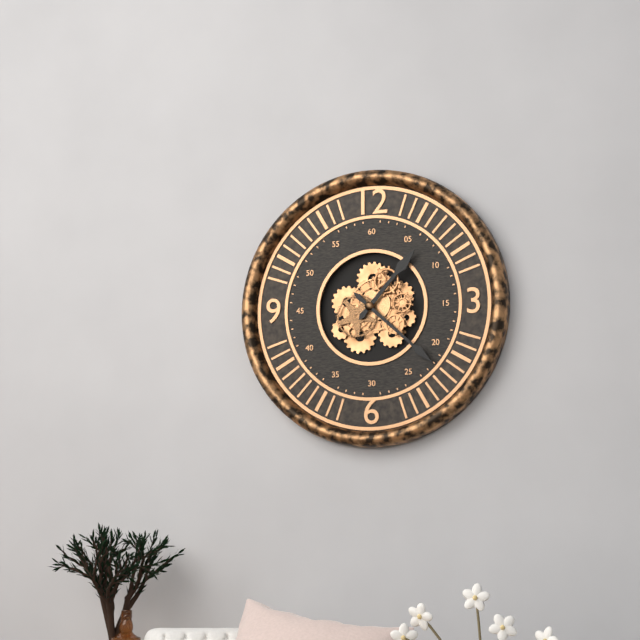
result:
{"hour": 1, "minute": 22}
